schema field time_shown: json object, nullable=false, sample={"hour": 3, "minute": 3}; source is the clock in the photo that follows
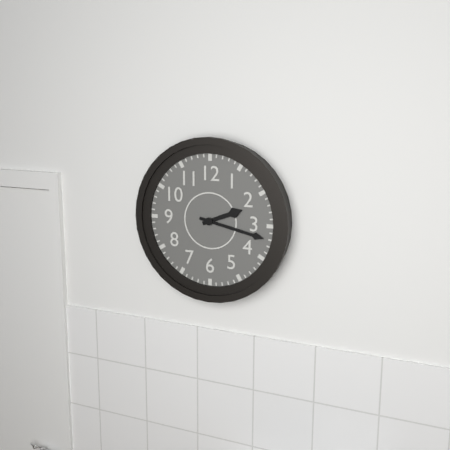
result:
{"hour": 2, "minute": 17}
